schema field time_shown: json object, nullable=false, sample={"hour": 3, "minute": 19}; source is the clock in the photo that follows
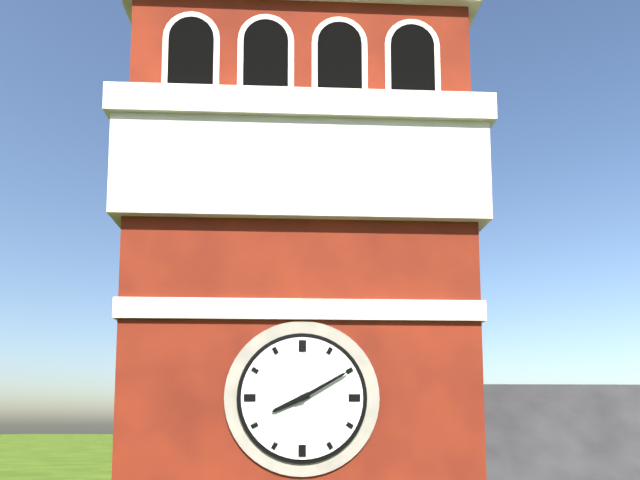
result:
{"hour": 8, "minute": 10}
